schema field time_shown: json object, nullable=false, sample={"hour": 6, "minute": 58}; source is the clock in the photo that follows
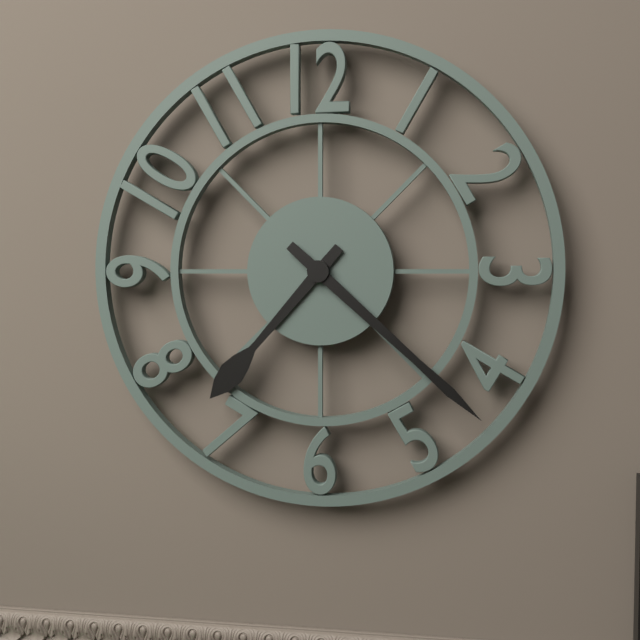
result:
{"hour": 7, "minute": 22}
